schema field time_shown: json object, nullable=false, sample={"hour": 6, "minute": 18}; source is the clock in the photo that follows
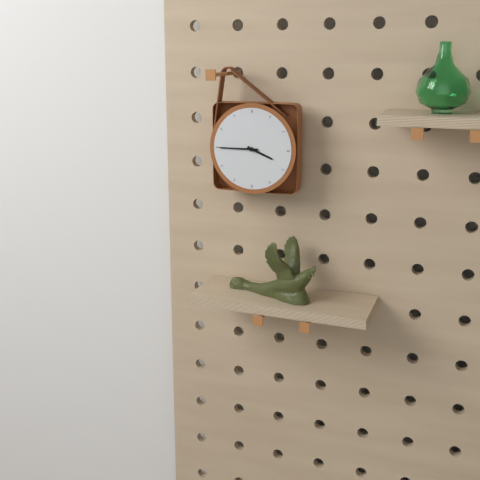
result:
{"hour": 3, "minute": 45}
